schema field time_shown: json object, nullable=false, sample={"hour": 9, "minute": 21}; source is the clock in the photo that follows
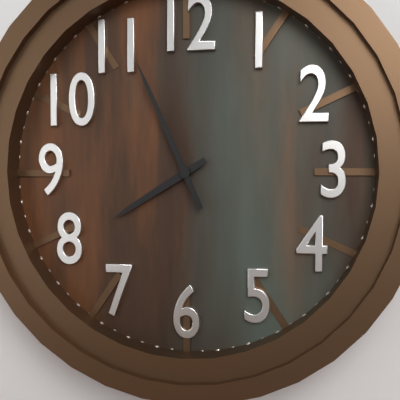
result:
{"hour": 7, "minute": 56}
